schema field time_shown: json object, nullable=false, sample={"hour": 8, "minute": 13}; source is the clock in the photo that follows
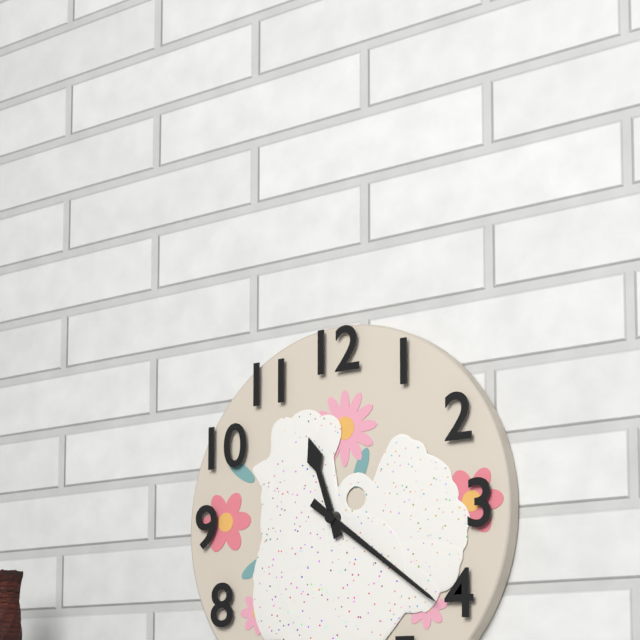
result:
{"hour": 11, "minute": 21}
